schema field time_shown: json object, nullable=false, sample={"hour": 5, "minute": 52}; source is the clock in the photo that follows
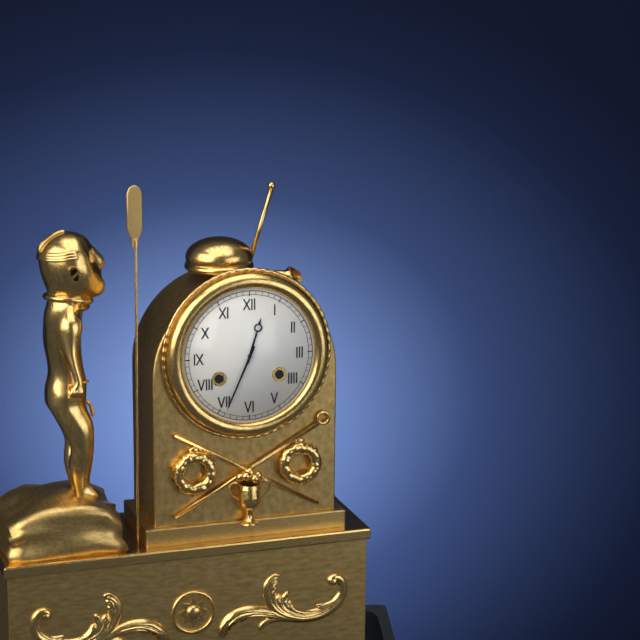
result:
{"hour": 12, "minute": 34}
